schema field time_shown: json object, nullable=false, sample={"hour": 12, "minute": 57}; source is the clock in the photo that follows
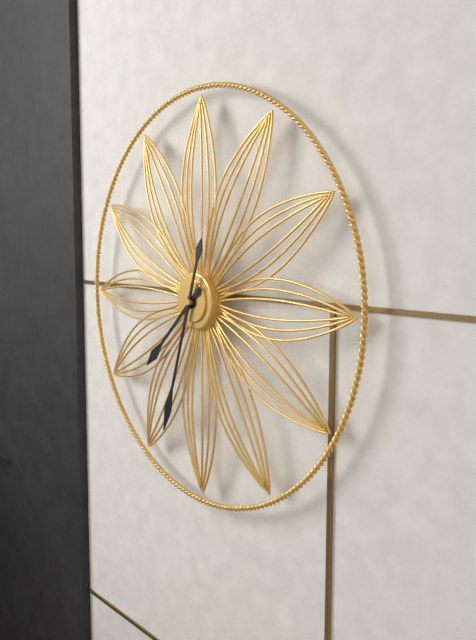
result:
{"hour": 7, "minute": 33}
